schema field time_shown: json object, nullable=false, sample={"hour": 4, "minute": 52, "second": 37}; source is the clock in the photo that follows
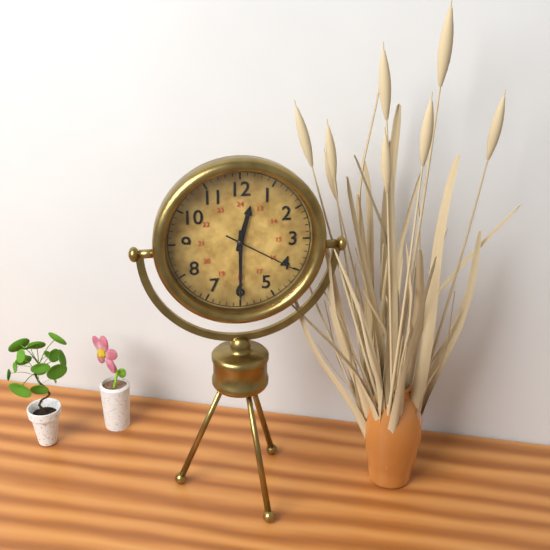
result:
{"hour": 12, "minute": 30, "second": 20}
